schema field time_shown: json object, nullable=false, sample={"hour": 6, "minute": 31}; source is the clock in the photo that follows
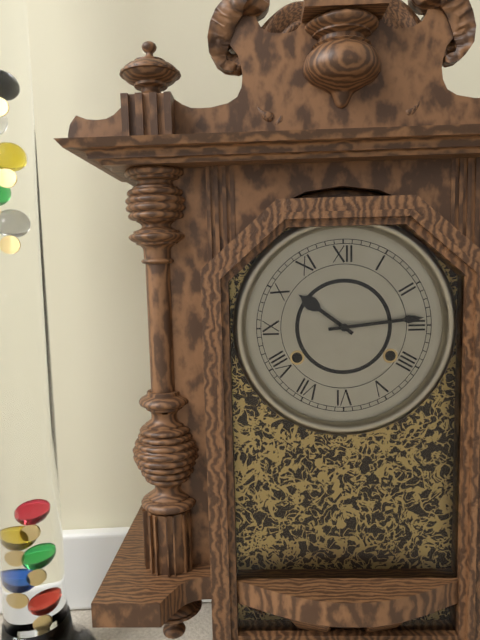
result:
{"hour": 10, "minute": 14}
